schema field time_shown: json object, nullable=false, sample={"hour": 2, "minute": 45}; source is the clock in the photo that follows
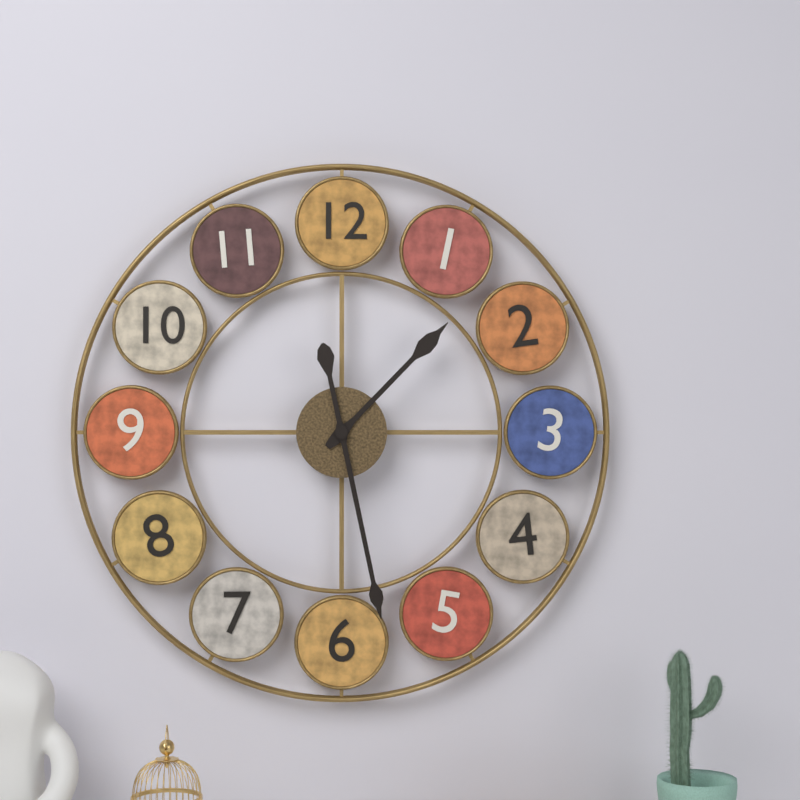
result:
{"hour": 1, "minute": 28}
